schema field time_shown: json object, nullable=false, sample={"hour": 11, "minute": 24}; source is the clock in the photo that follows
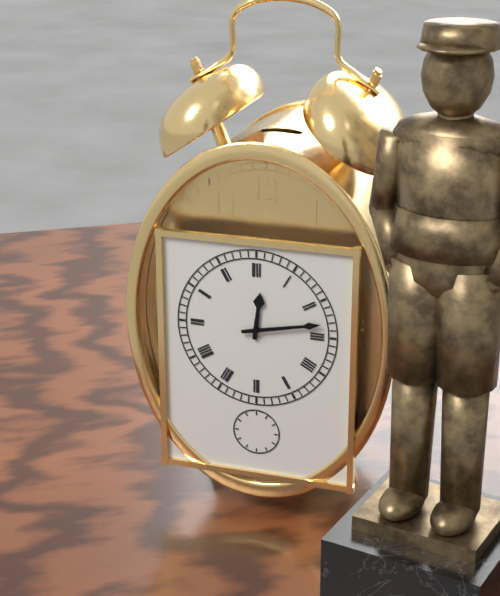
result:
{"hour": 12, "minute": 13}
